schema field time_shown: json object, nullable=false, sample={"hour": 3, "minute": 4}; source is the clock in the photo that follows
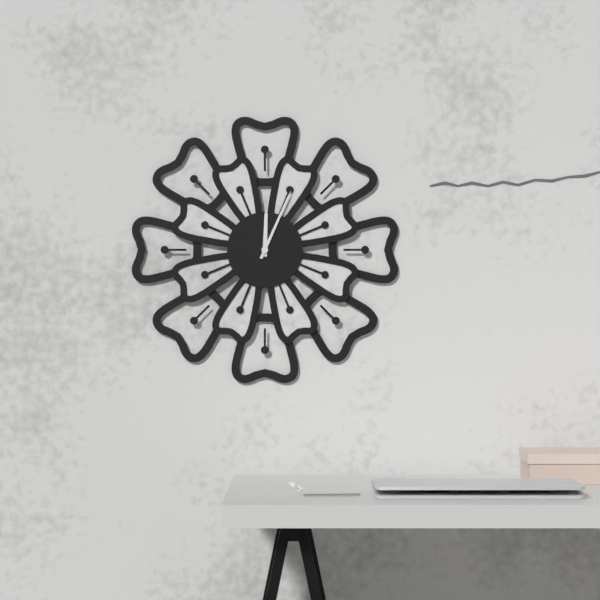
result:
{"hour": 12, "minute": 4}
